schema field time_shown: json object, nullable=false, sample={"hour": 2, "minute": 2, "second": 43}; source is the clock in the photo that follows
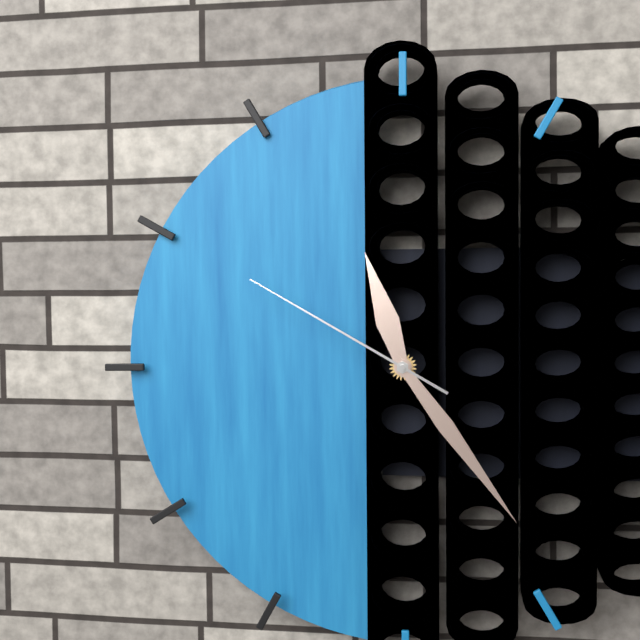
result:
{"hour": 11, "minute": 24, "second": 50}
